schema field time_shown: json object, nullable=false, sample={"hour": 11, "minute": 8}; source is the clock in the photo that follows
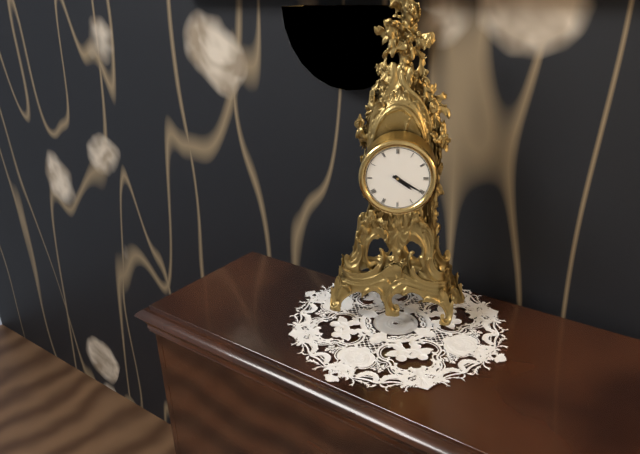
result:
{"hour": 4, "minute": 20}
